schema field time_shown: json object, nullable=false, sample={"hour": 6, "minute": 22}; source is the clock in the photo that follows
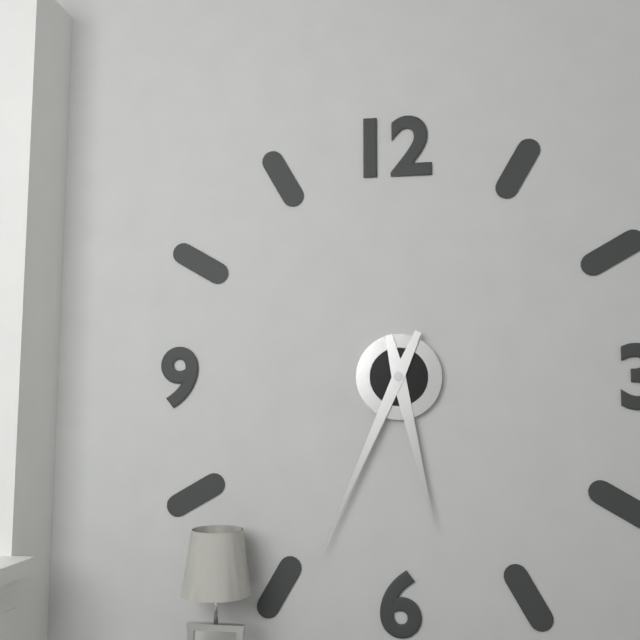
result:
{"hour": 5, "minute": 34}
